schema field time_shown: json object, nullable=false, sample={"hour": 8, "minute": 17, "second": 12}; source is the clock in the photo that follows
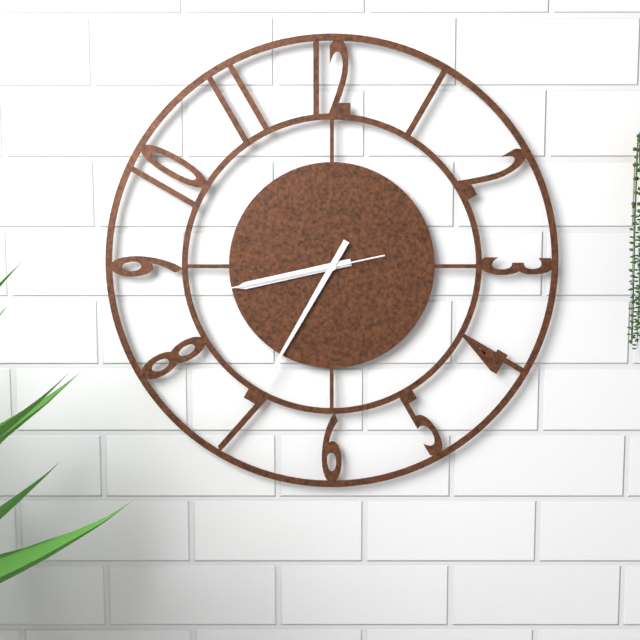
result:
{"hour": 8, "minute": 35, "second": 43}
